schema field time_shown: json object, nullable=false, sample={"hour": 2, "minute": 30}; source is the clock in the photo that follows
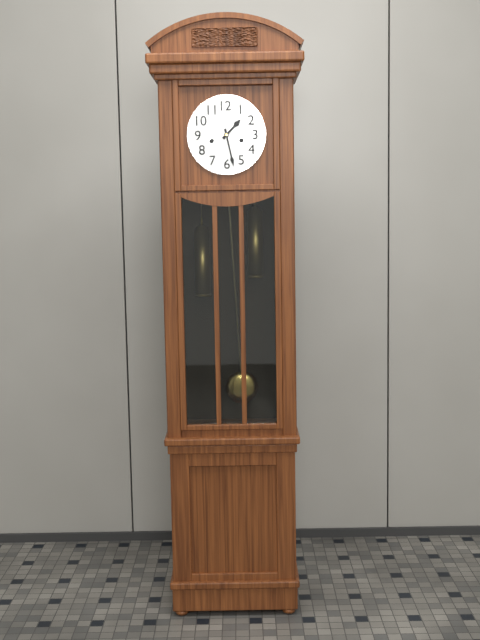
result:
{"hour": 1, "minute": 28}
